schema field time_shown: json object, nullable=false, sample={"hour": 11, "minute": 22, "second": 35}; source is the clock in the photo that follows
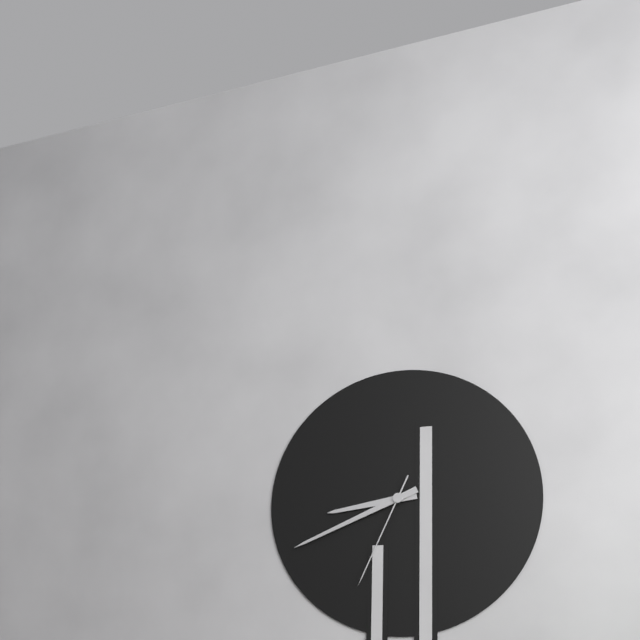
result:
{"hour": 8, "minute": 41, "second": 34}
